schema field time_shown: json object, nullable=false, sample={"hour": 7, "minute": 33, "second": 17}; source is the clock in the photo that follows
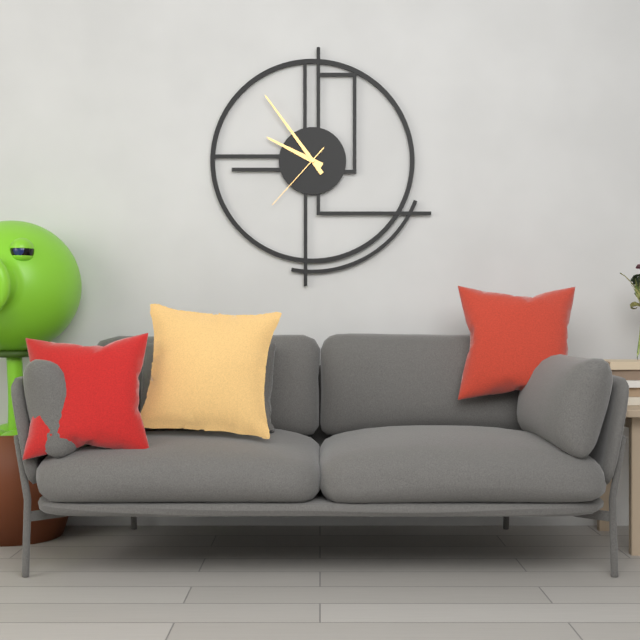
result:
{"hour": 9, "minute": 54, "second": 37}
